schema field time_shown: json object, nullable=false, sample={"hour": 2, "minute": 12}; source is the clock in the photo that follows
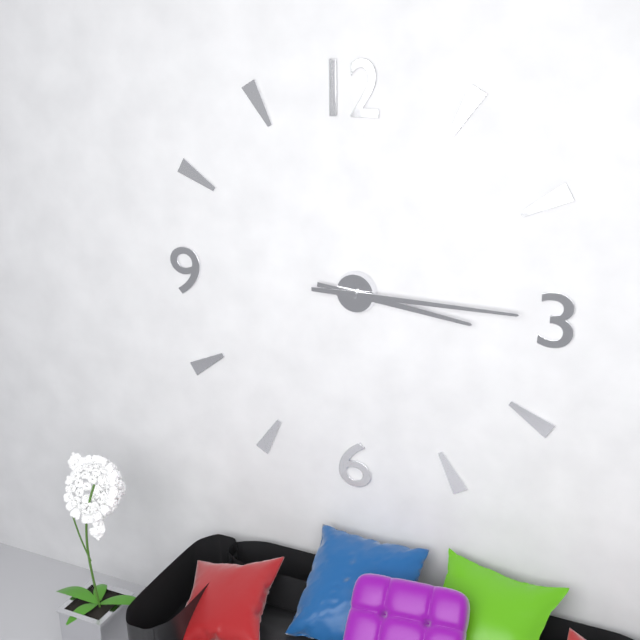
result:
{"hour": 3, "minute": 15}
